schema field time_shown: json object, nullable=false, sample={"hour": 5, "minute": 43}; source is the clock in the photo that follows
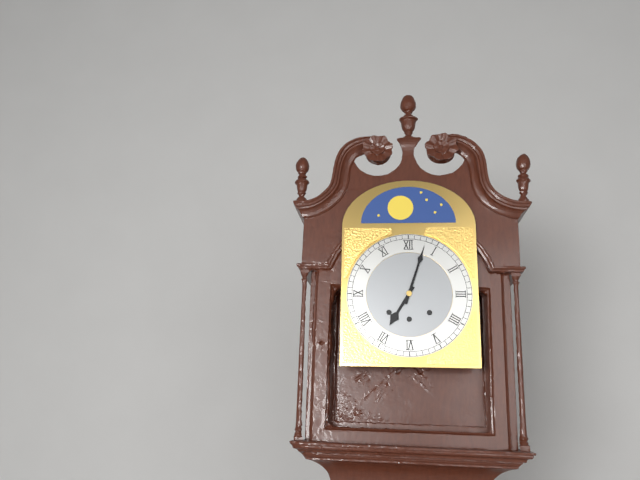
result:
{"hour": 7, "minute": 3}
